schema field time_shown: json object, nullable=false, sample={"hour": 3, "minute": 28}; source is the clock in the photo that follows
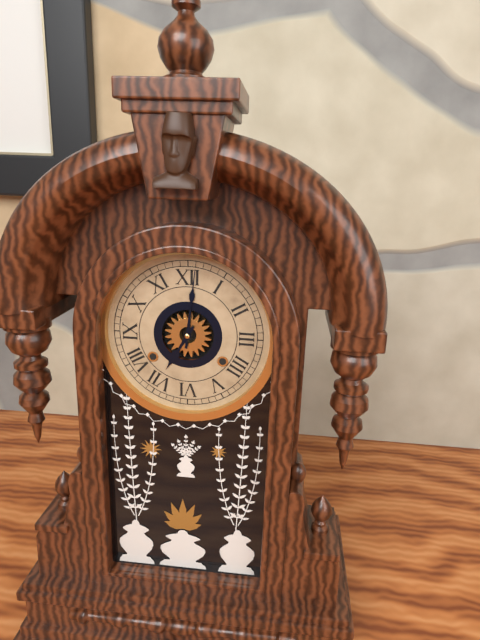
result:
{"hour": 7, "minute": 1}
